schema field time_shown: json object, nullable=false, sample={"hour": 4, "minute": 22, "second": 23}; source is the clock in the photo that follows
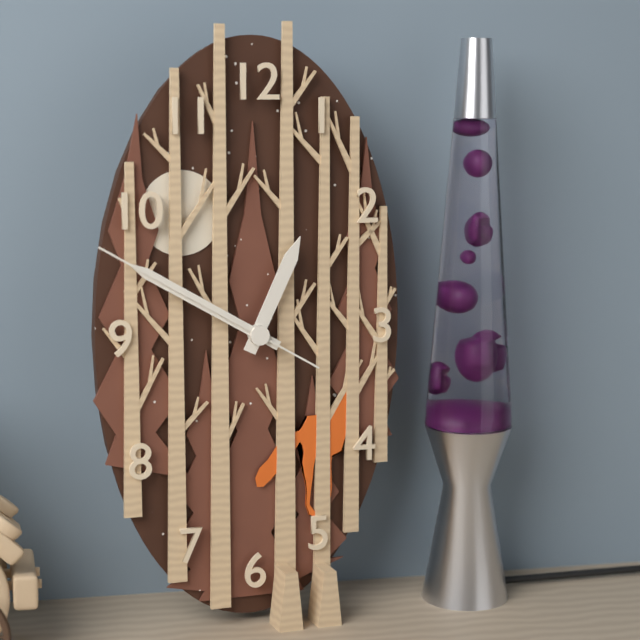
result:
{"hour": 12, "minute": 50, "second": 50}
